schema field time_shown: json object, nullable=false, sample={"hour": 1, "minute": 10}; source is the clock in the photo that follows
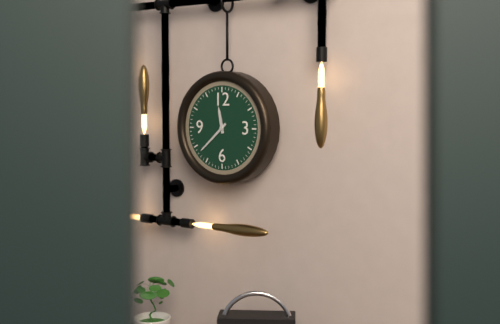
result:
{"hour": 11, "minute": 38}
